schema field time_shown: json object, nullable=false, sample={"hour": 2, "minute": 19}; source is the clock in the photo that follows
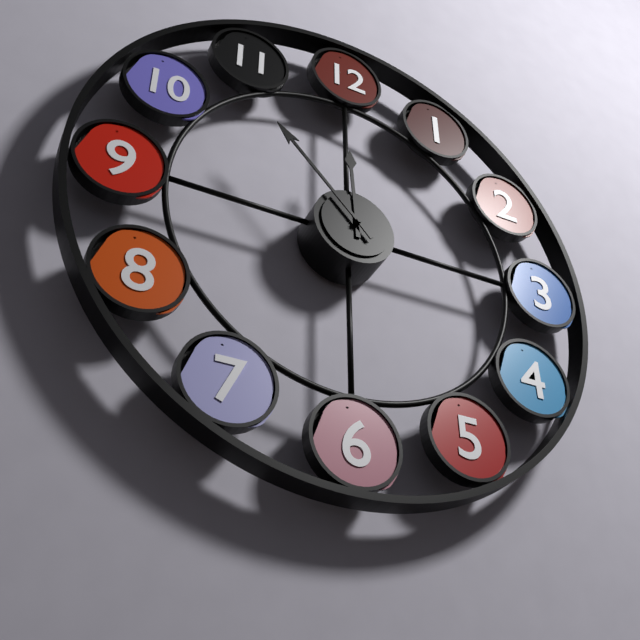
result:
{"hour": 11, "minute": 53}
